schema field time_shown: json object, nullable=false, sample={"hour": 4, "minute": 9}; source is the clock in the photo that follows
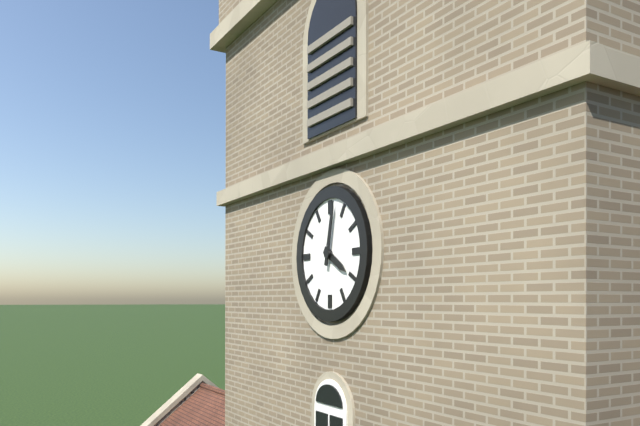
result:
{"hour": 4, "minute": 2}
